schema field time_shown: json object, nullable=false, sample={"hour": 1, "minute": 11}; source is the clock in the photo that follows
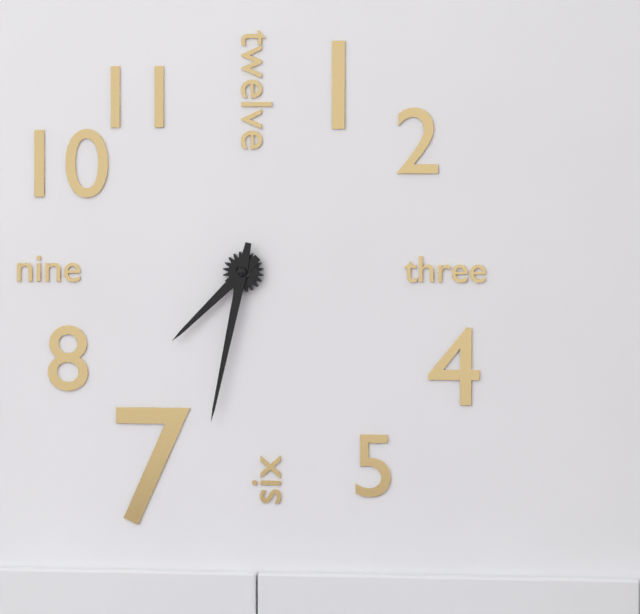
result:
{"hour": 7, "minute": 32}
